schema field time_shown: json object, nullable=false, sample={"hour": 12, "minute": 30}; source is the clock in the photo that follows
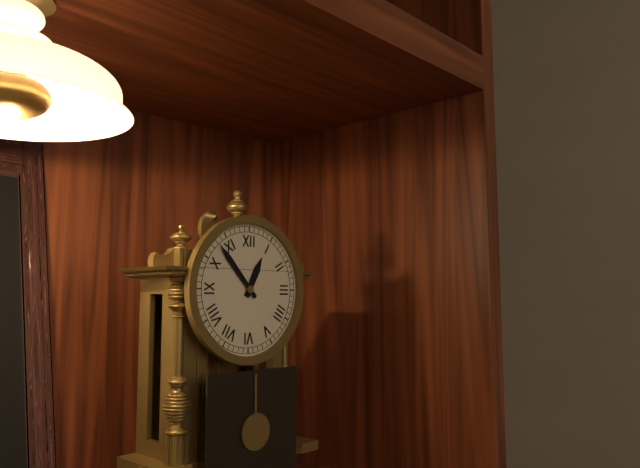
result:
{"hour": 12, "minute": 53}
